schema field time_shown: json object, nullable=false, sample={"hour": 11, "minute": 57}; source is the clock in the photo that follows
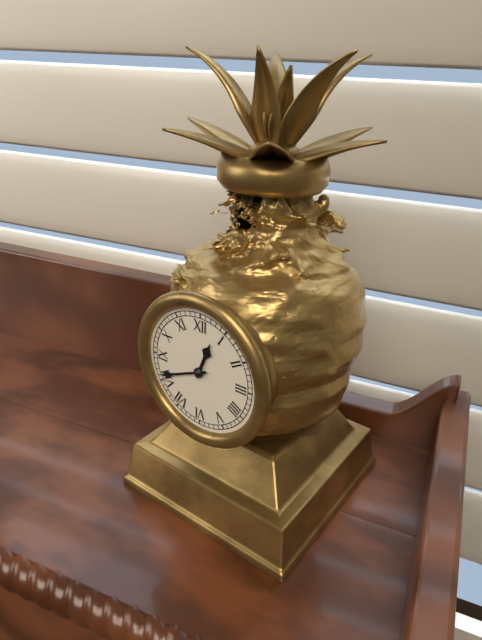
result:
{"hour": 12, "minute": 41}
